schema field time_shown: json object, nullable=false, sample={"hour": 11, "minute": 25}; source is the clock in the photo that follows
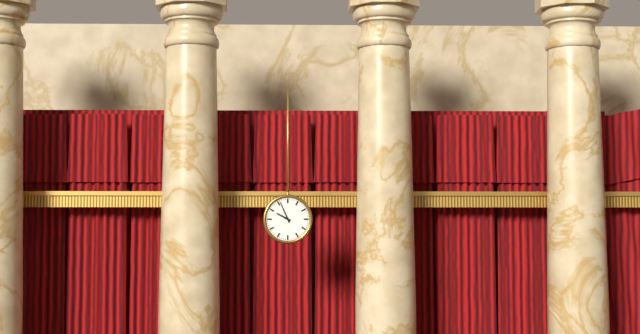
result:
{"hour": 9, "minute": 56}
